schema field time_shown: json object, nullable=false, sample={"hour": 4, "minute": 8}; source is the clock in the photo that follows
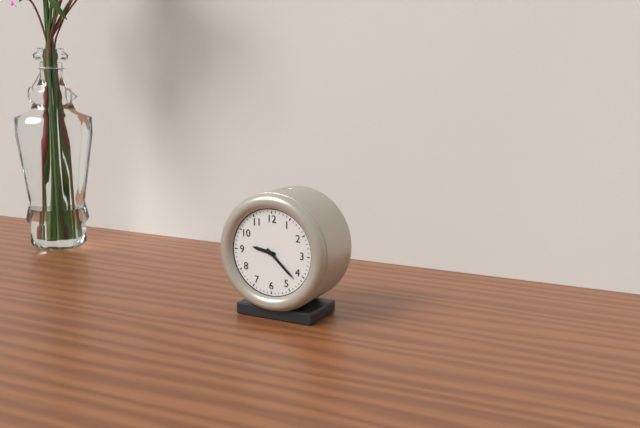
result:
{"hour": 9, "minute": 22}
